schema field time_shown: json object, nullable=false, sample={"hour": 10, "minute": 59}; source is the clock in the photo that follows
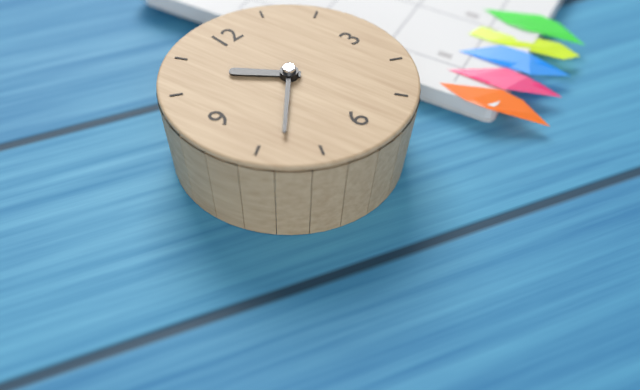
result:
{"hour": 10, "minute": 38}
